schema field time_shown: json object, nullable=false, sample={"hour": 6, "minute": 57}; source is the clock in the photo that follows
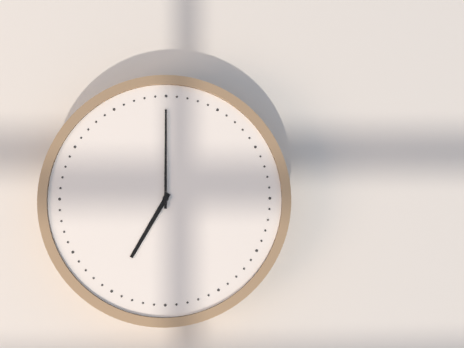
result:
{"hour": 7, "minute": 0}
